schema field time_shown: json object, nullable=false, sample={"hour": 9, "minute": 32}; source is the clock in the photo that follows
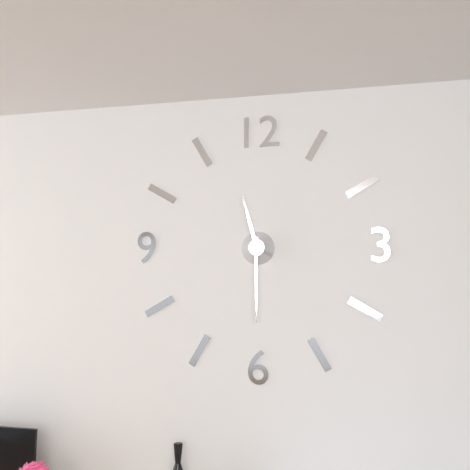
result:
{"hour": 11, "minute": 30}
